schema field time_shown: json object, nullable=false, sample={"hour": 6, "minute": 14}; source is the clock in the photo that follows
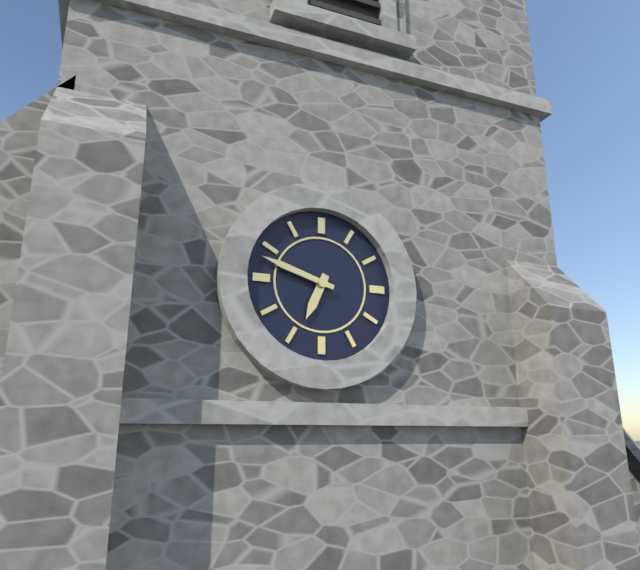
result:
{"hour": 6, "minute": 48}
